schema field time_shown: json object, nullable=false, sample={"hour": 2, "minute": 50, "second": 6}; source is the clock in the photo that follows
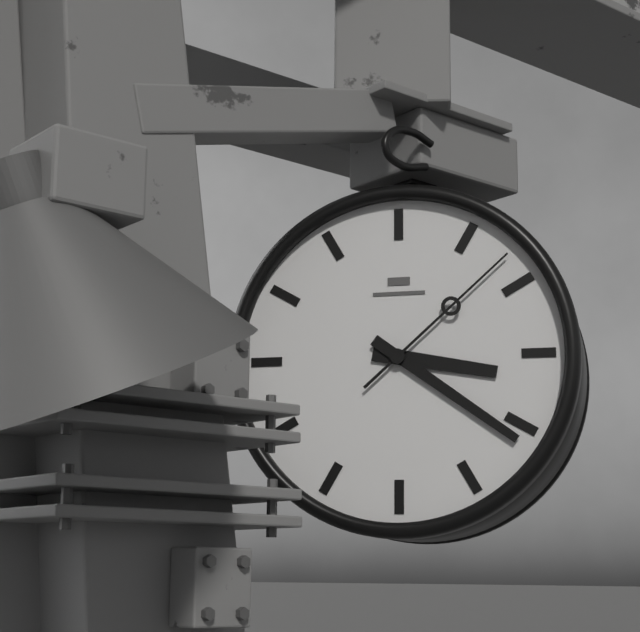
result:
{"hour": 3, "minute": 21, "second": 8}
